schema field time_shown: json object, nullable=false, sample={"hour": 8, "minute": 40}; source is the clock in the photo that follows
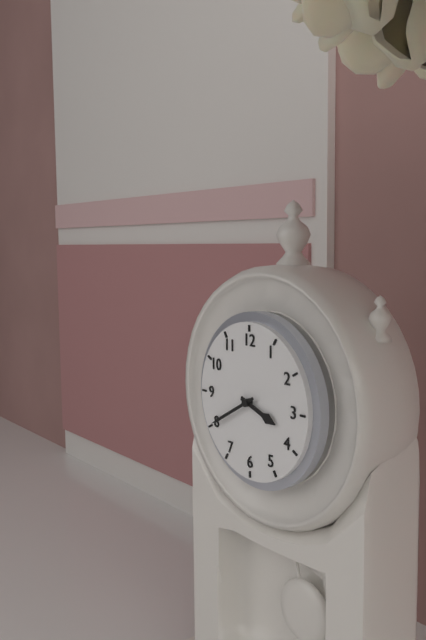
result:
{"hour": 3, "minute": 40}
